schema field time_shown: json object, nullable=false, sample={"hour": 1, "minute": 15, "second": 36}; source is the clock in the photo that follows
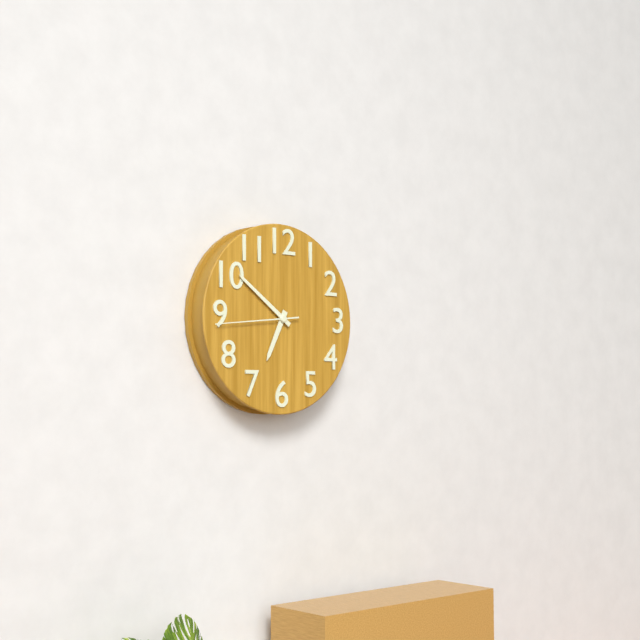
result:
{"hour": 6, "minute": 51, "second": 44}
